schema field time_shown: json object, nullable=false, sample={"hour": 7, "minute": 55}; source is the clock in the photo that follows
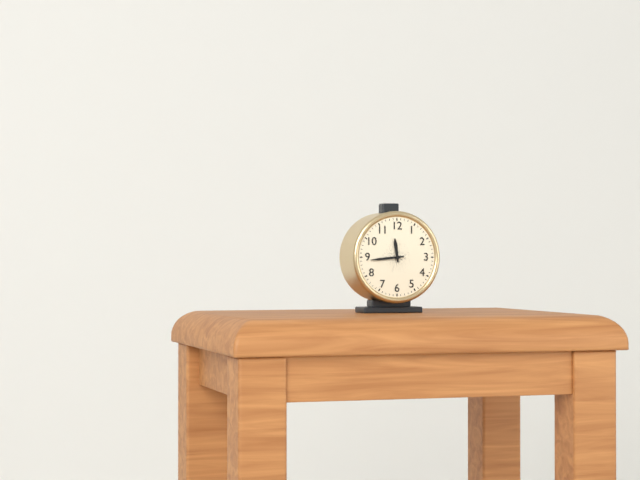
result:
{"hour": 11, "minute": 44}
